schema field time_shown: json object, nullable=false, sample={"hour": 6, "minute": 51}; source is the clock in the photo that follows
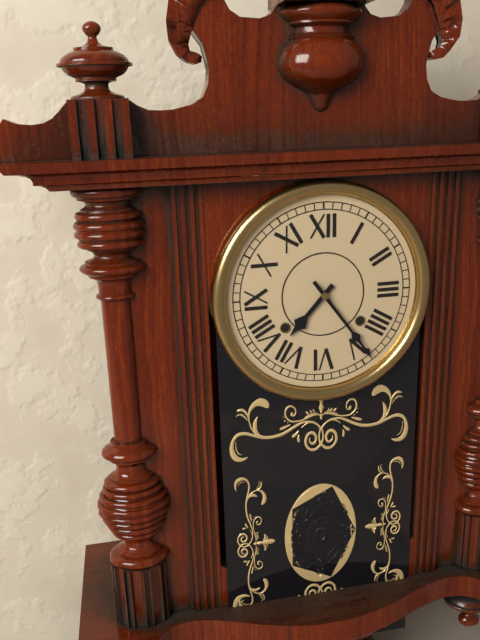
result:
{"hour": 7, "minute": 24}
